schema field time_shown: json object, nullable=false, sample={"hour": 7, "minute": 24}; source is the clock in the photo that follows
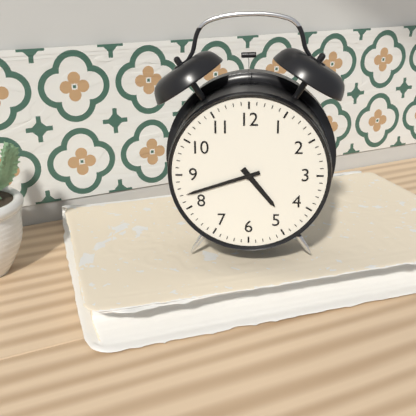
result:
{"hour": 4, "minute": 42}
